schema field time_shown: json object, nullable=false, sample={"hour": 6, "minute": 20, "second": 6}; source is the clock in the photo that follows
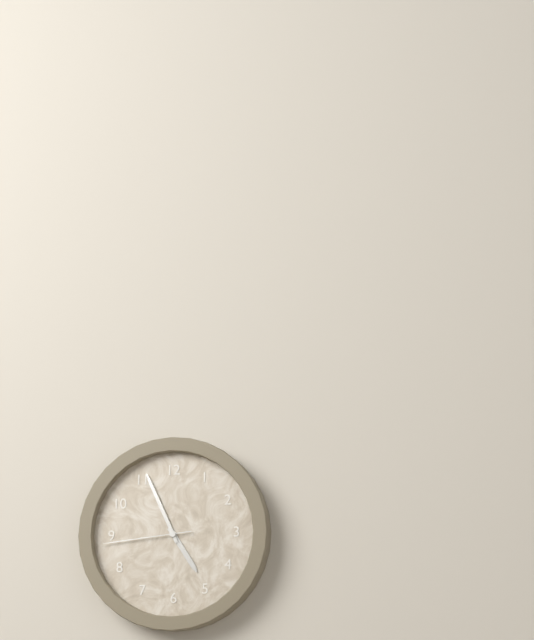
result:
{"hour": 4, "minute": 56, "second": 44}
